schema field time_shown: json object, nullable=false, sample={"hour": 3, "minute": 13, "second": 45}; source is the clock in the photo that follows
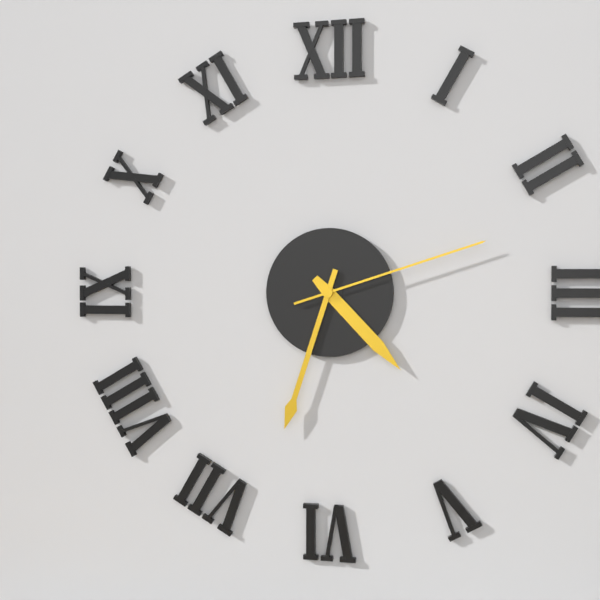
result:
{"hour": 4, "minute": 33, "second": 12}
